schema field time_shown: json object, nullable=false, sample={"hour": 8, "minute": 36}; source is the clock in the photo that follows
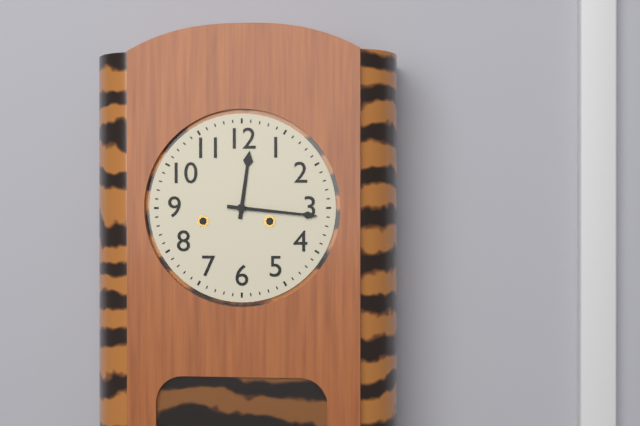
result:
{"hour": 12, "minute": 16}
